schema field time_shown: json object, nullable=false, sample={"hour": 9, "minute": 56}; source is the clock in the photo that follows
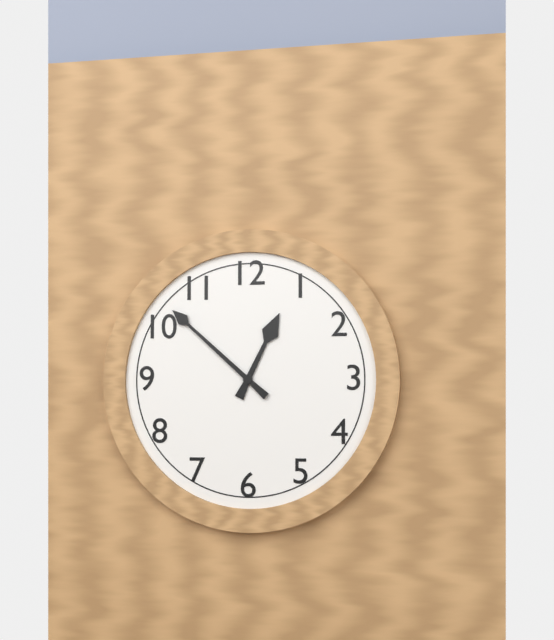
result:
{"hour": 12, "minute": 52}
